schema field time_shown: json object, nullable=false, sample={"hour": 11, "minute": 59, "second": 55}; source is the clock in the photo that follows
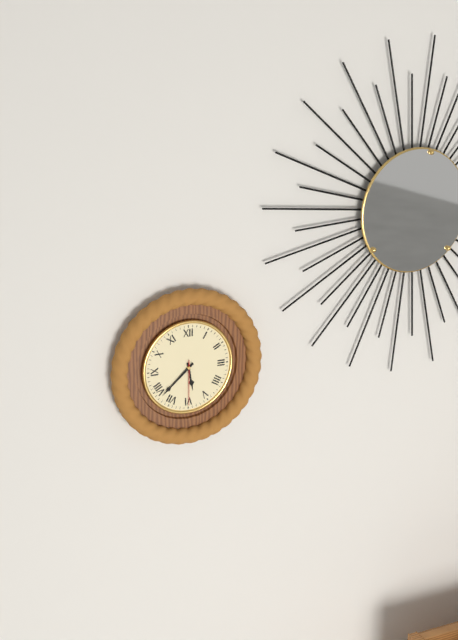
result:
{"hour": 5, "minute": 38, "second": 30}
